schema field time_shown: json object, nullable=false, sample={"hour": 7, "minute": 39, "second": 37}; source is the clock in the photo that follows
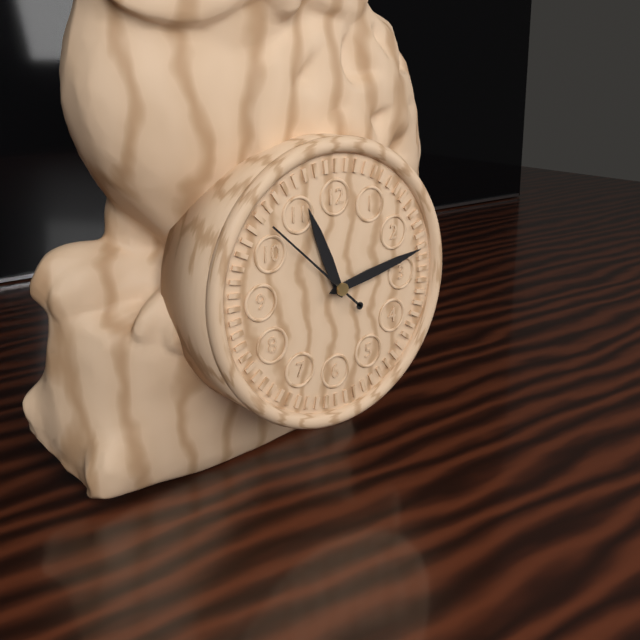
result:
{"hour": 11, "minute": 13, "second": 52}
